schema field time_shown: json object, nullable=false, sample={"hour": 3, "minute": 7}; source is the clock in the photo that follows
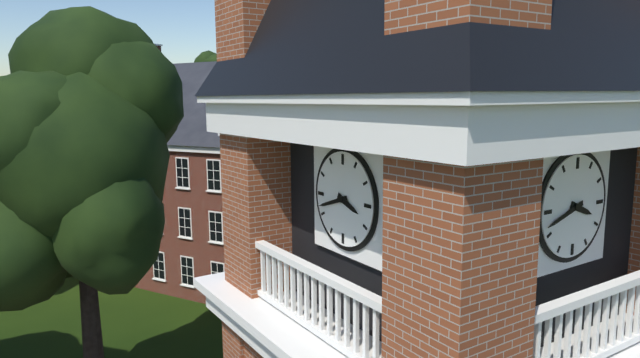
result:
{"hour": 3, "minute": 42}
